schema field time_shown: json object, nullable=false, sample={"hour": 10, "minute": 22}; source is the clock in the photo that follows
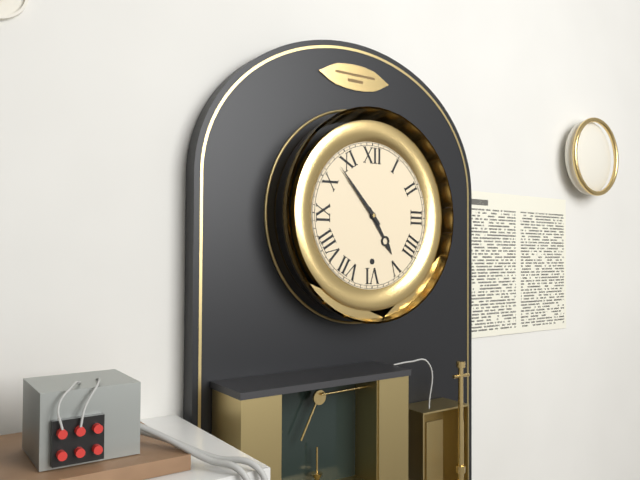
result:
{"hour": 4, "minute": 53}
